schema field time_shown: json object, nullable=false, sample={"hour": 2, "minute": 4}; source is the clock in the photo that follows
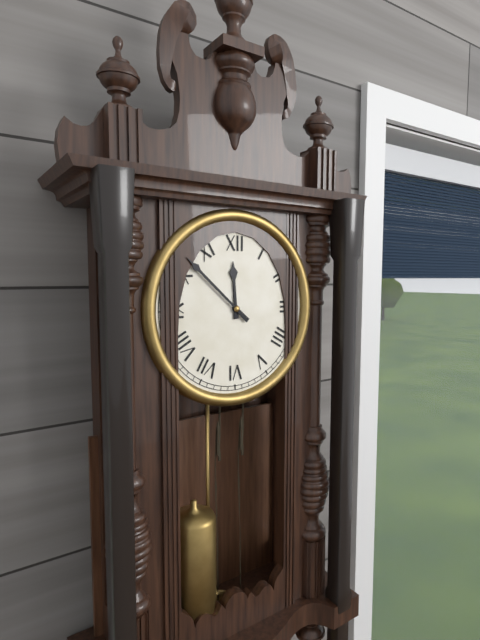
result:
{"hour": 11, "minute": 52}
